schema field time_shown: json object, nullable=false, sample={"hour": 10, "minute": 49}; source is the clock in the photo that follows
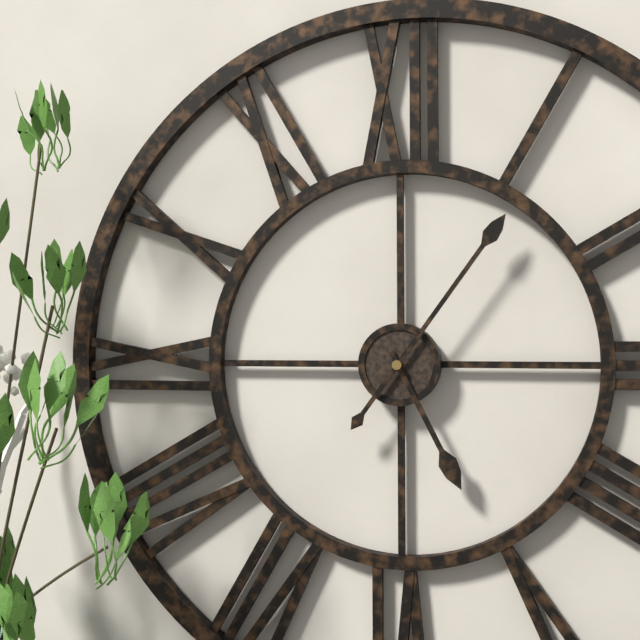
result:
{"hour": 5, "minute": 6}
